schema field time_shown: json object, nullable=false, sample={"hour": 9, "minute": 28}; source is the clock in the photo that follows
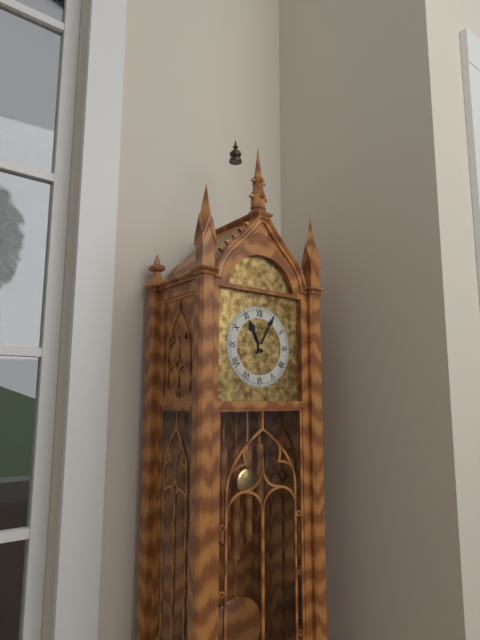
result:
{"hour": 11, "minute": 5}
